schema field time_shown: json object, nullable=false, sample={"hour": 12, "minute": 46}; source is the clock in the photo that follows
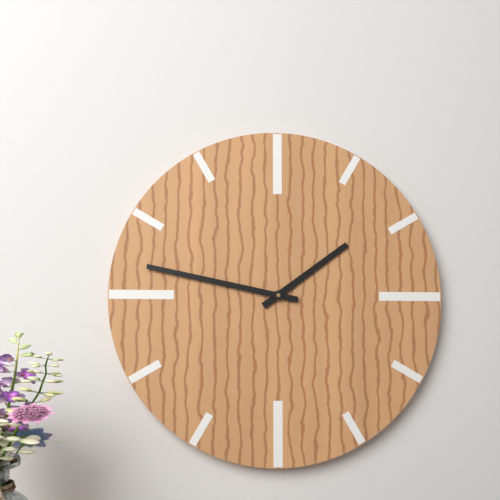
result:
{"hour": 1, "minute": 47}
